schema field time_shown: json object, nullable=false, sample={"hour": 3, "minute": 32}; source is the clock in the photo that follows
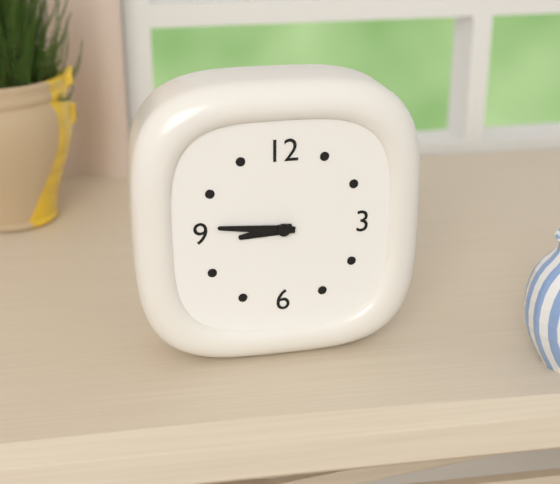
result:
{"hour": 8, "minute": 46}
